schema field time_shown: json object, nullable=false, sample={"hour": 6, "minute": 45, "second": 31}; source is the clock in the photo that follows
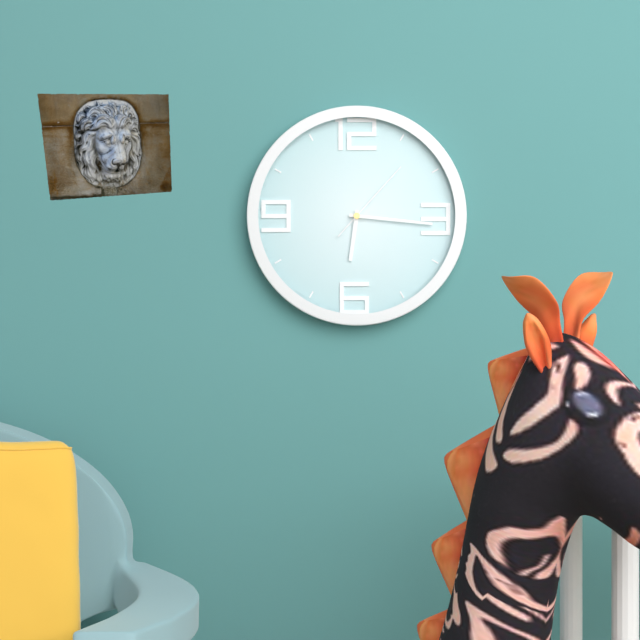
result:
{"hour": 6, "minute": 16, "second": 7}
